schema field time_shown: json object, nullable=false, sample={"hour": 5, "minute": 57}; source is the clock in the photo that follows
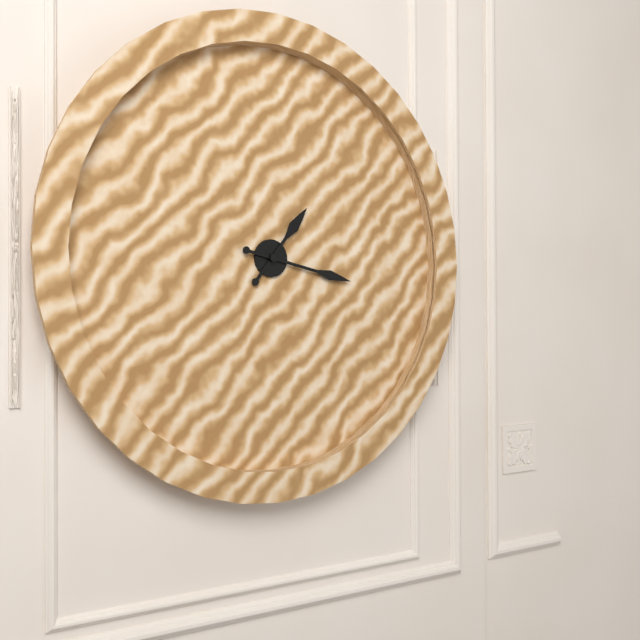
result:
{"hour": 1, "minute": 17}
